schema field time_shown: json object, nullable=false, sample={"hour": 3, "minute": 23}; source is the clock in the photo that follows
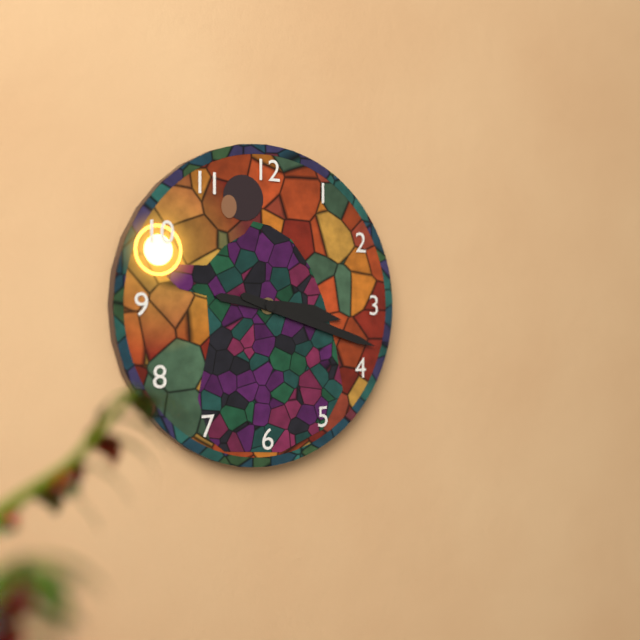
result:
{"hour": 3, "minute": 18}
